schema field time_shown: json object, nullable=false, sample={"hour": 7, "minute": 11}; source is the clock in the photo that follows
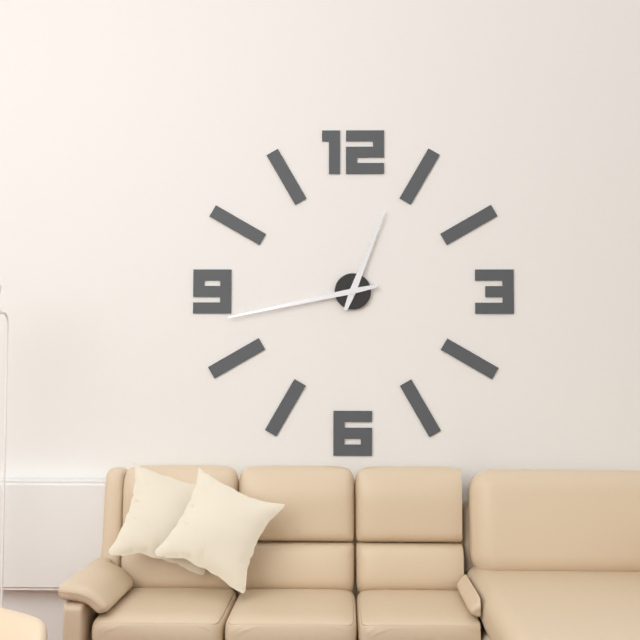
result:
{"hour": 12, "minute": 43}
